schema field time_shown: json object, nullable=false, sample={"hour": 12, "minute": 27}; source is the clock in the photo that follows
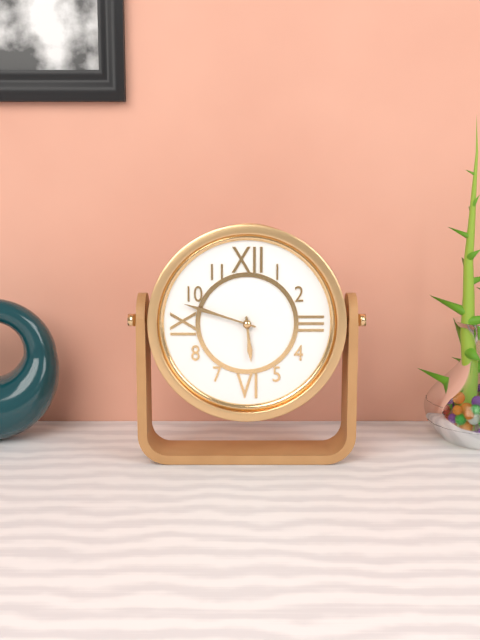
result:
{"hour": 5, "minute": 48}
